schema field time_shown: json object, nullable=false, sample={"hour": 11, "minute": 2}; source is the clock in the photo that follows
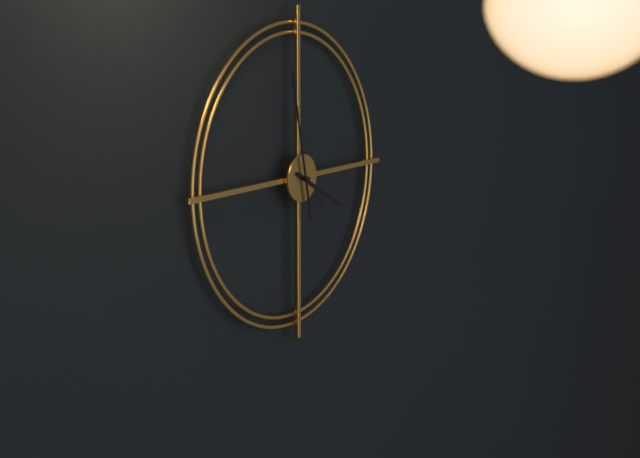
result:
{"hour": 3, "minute": 58}
